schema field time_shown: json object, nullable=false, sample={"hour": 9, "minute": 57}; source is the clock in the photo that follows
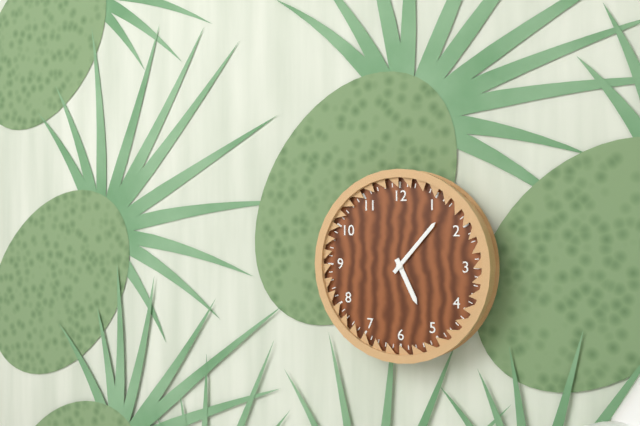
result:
{"hour": 5, "minute": 7}
